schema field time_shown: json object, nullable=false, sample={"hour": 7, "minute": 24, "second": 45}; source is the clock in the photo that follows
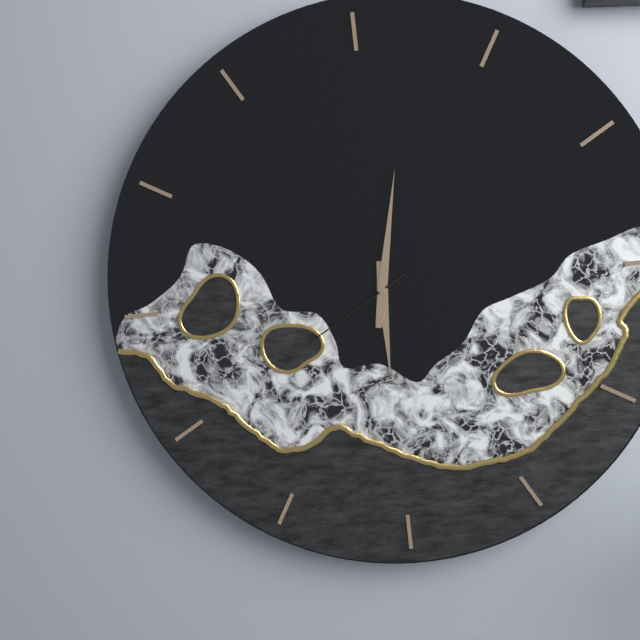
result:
{"hour": 6, "minute": 2, "second": 40}
